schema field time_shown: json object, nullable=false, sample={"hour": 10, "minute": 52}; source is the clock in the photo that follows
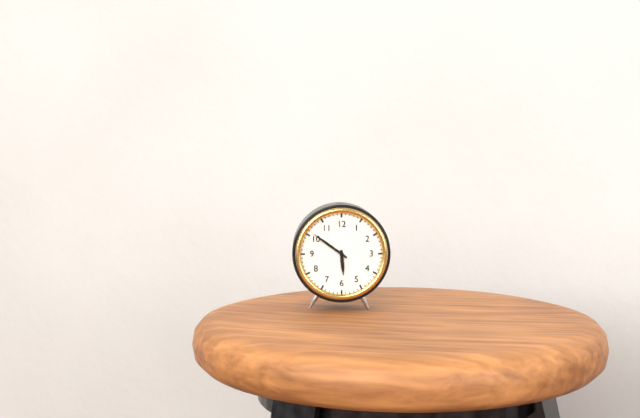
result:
{"hour": 5, "minute": 51}
